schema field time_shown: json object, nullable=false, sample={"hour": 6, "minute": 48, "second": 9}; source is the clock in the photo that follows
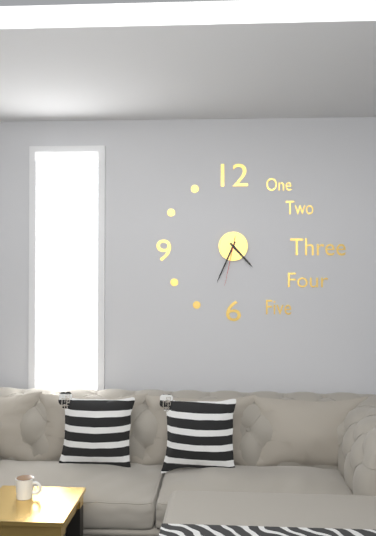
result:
{"hour": 4, "minute": 34, "second": 32}
